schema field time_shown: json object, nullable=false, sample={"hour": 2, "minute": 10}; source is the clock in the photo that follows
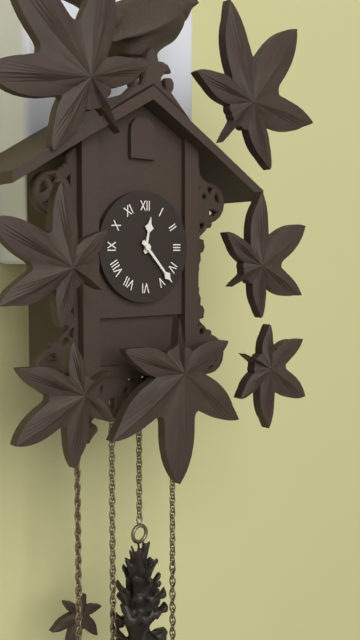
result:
{"hour": 12, "minute": 23}
